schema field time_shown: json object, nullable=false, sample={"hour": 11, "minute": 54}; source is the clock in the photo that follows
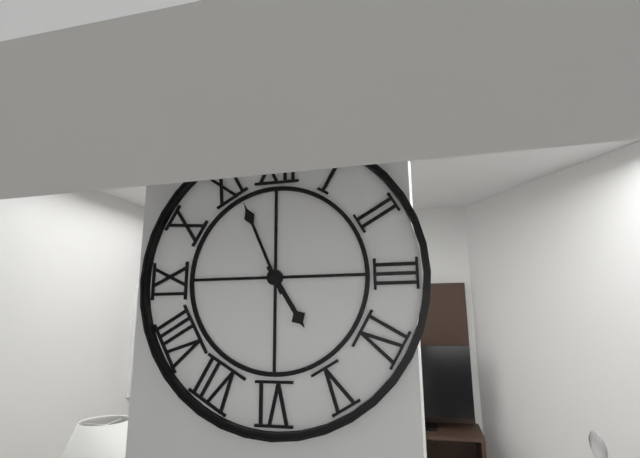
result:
{"hour": 4, "minute": 56}
